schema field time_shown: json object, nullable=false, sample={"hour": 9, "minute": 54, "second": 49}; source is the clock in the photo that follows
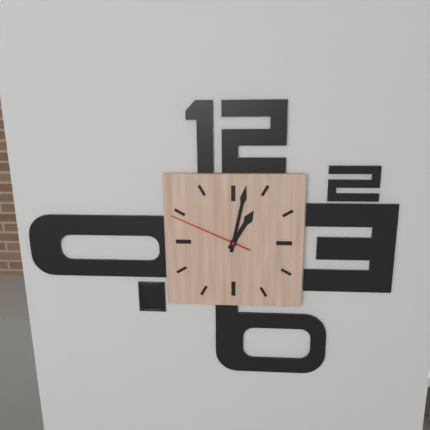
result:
{"hour": 1, "minute": 2, "second": 49}
